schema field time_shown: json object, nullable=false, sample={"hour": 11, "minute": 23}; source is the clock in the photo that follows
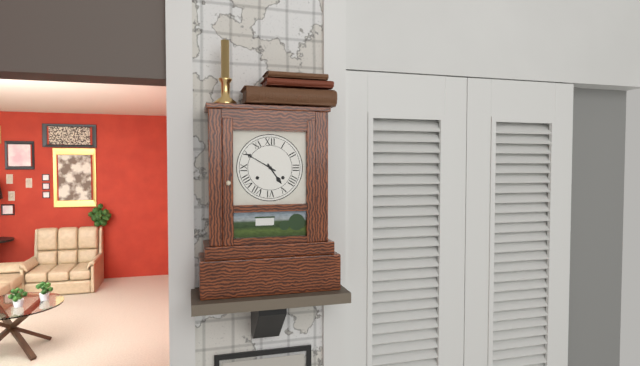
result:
{"hour": 4, "minute": 50}
